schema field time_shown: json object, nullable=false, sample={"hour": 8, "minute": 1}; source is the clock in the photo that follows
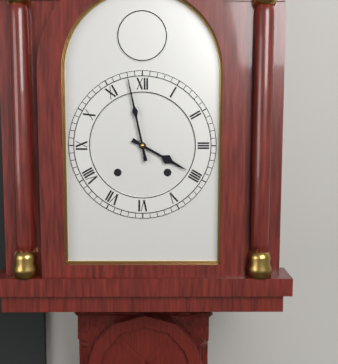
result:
{"hour": 3, "minute": 58}
